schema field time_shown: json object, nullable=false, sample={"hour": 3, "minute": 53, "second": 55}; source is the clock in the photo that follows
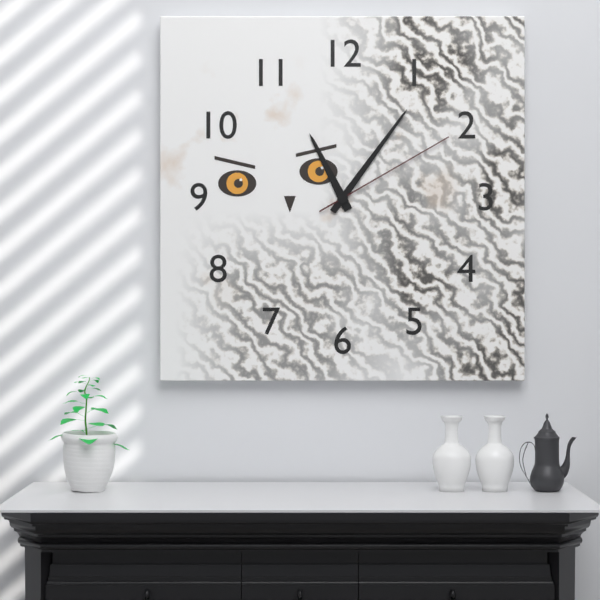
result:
{"hour": 11, "minute": 6, "second": 10}
